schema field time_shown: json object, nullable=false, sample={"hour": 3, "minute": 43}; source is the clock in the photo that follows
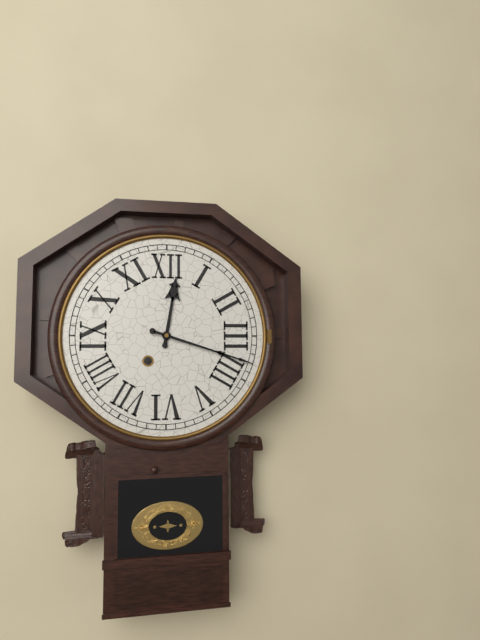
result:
{"hour": 12, "minute": 18}
